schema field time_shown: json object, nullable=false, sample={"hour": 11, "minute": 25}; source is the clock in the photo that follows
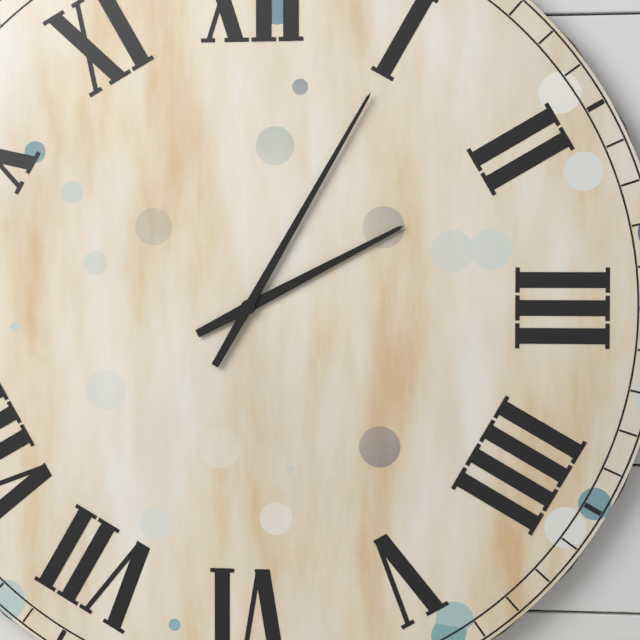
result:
{"hour": 2, "minute": 5}
